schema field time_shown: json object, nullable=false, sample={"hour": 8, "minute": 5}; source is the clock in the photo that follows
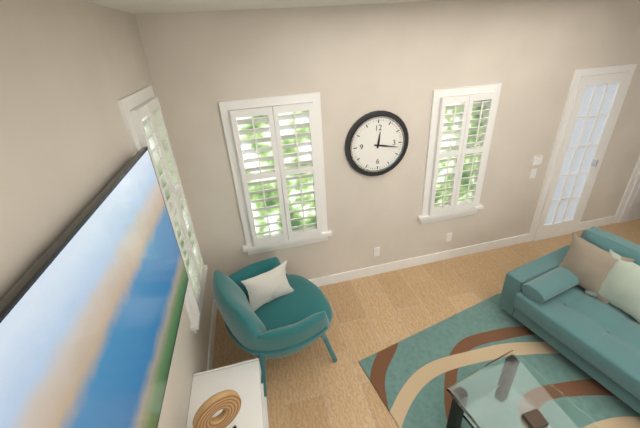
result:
{"hour": 12, "minute": 17}
